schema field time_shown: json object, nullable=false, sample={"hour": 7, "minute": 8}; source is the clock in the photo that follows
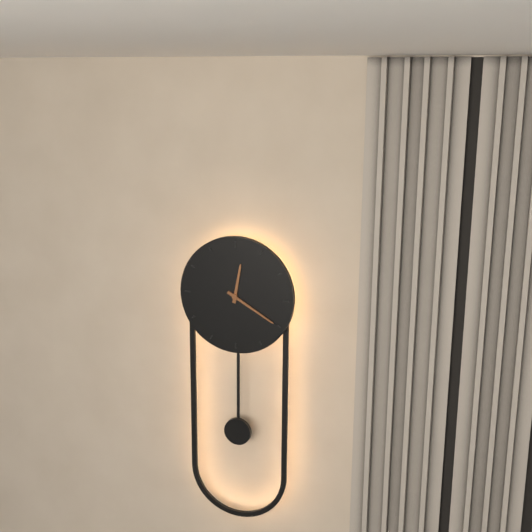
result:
{"hour": 12, "minute": 20}
